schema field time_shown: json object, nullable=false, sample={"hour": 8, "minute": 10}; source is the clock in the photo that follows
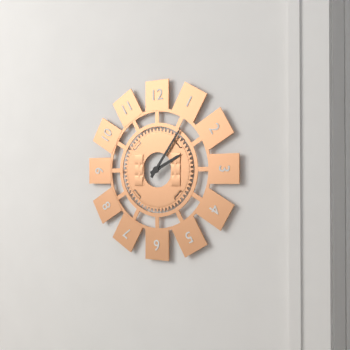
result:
{"hour": 2, "minute": 6}
